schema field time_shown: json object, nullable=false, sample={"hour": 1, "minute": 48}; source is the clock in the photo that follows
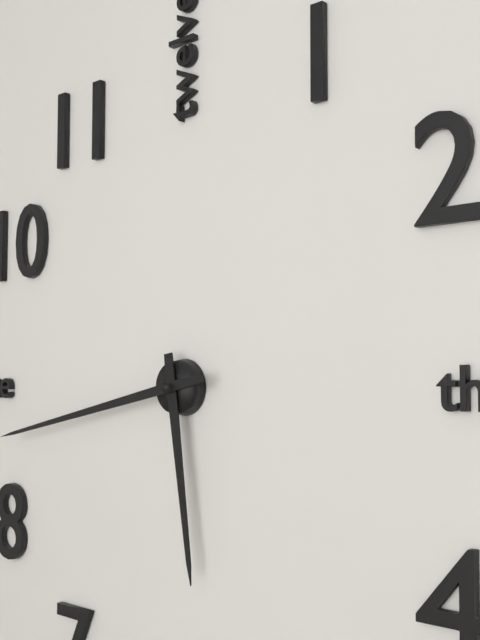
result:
{"hour": 5, "minute": 43}
